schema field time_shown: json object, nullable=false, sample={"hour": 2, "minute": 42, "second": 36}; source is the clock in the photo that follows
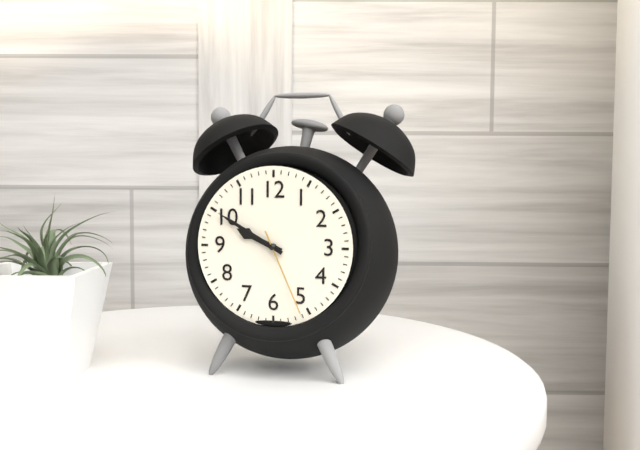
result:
{"hour": 9, "minute": 50, "second": 26}
